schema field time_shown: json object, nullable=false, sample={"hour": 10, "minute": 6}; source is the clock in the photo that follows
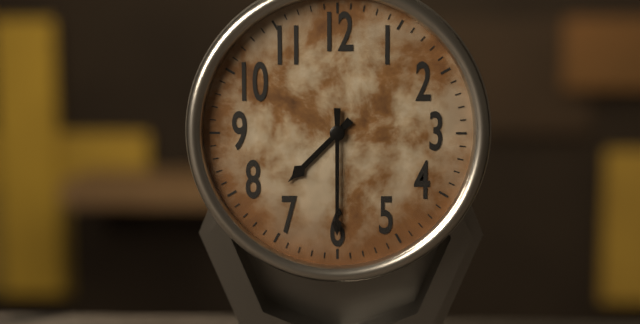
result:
{"hour": 7, "minute": 30}
